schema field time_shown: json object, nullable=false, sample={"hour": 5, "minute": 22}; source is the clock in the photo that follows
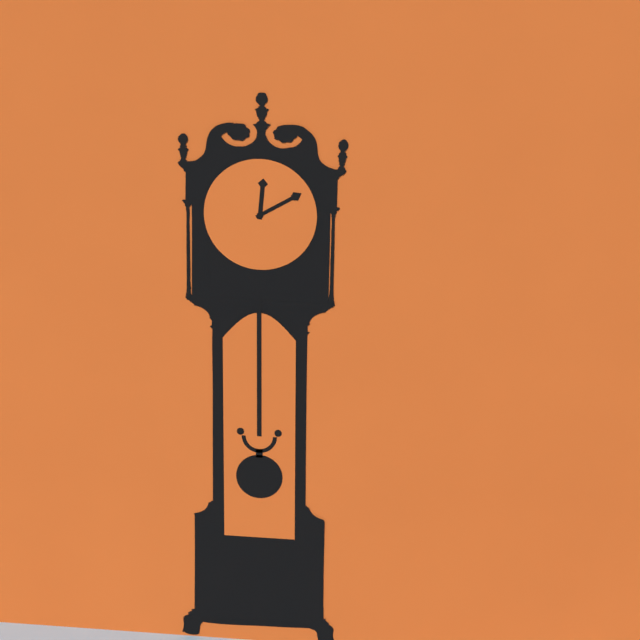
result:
{"hour": 12, "minute": 10}
